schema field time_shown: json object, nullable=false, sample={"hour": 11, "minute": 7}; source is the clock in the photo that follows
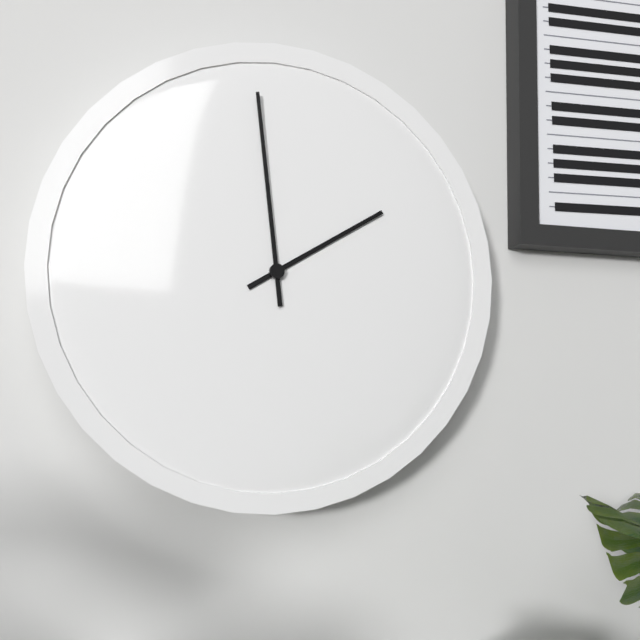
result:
{"hour": 1, "minute": 59}
